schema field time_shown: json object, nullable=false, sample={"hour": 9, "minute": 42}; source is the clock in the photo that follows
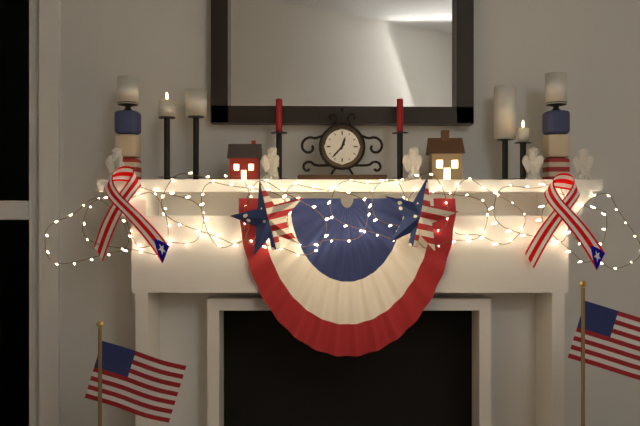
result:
{"hour": 12, "minute": 37}
